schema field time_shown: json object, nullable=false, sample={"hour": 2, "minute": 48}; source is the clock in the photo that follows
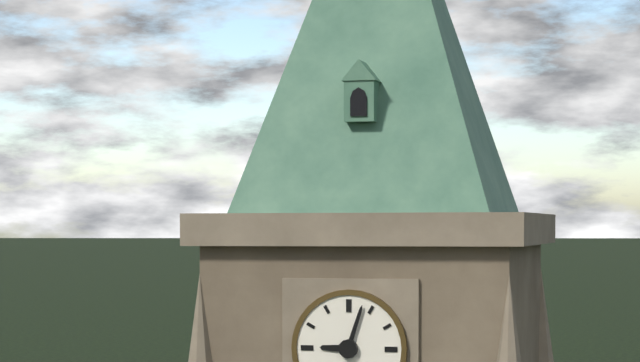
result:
{"hour": 9, "minute": 3}
